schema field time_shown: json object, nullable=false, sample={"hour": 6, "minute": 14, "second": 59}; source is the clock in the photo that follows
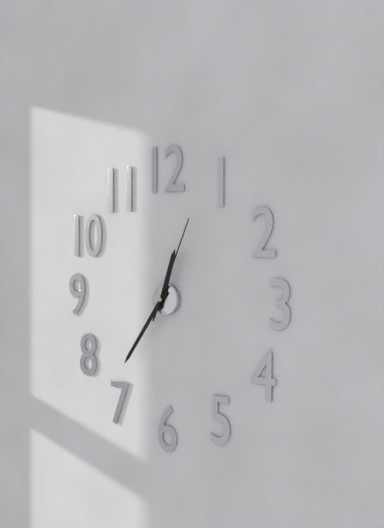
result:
{"hour": 12, "minute": 36, "second": 4}
